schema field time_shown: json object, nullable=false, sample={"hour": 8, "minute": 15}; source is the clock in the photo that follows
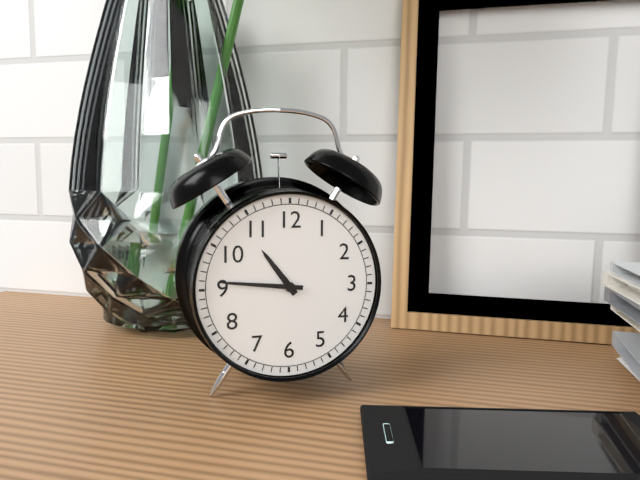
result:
{"hour": 10, "minute": 46}
